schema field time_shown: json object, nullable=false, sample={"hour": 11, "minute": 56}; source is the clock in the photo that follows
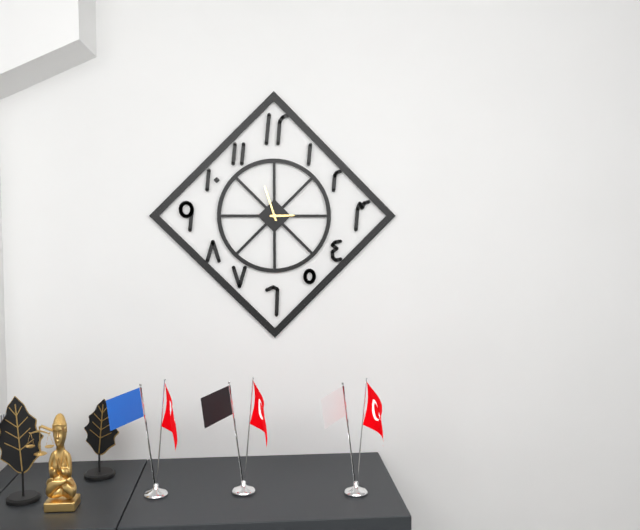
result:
{"hour": 2, "minute": 57}
